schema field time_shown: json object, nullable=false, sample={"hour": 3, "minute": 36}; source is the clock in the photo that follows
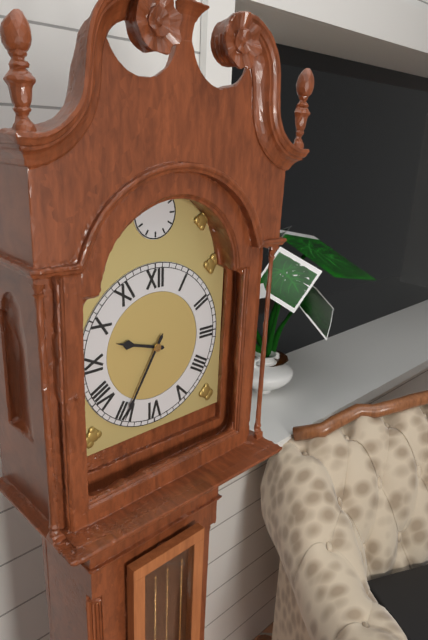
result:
{"hour": 9, "minute": 35}
